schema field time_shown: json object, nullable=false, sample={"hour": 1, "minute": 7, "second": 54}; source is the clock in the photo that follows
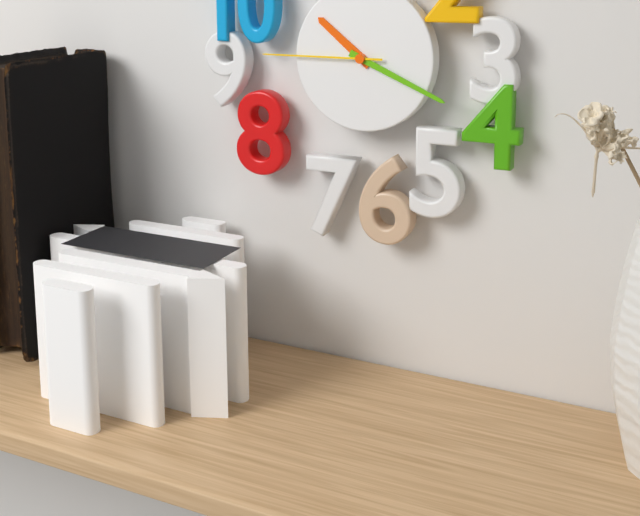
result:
{"hour": 10, "minute": 19, "second": 45}
